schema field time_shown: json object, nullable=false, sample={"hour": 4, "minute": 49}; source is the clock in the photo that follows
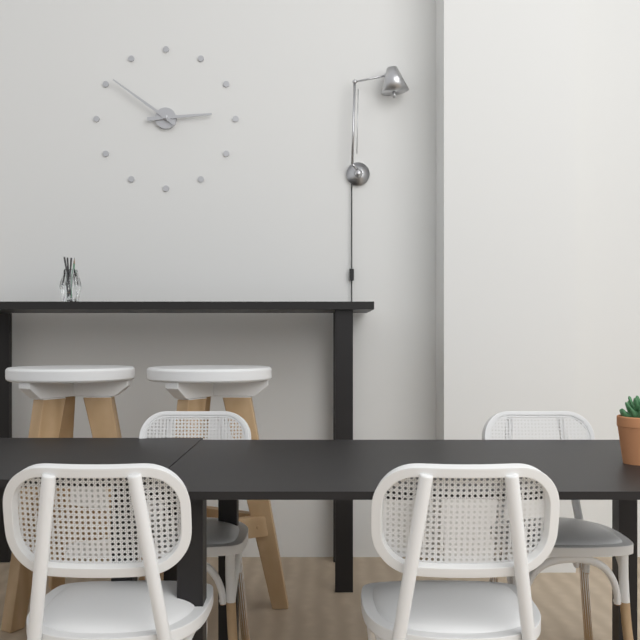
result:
{"hour": 2, "minute": 51}
